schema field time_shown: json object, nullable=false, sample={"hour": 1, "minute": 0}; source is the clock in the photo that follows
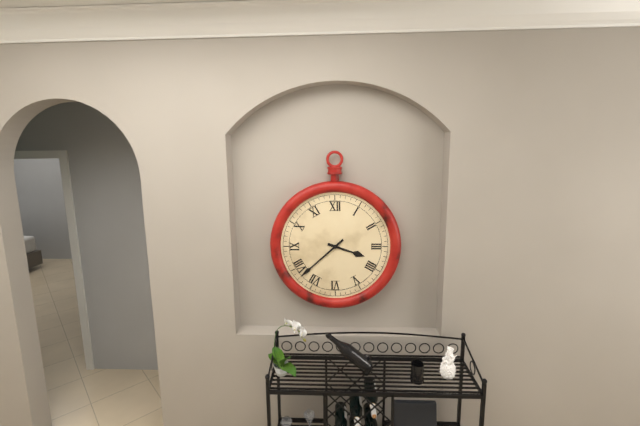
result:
{"hour": 3, "minute": 38}
